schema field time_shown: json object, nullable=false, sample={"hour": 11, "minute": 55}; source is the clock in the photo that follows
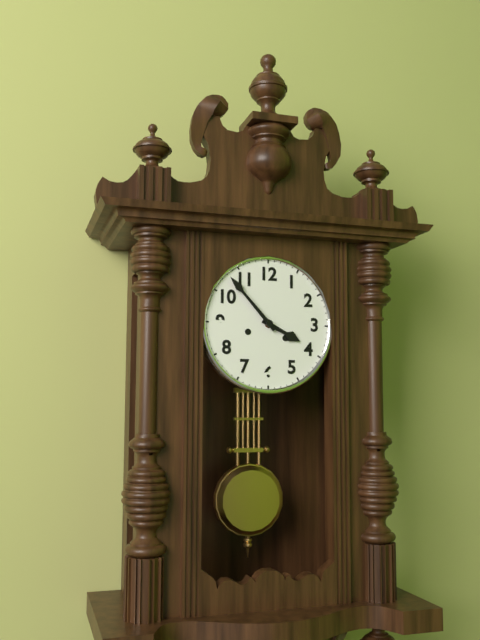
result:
{"hour": 3, "minute": 53}
